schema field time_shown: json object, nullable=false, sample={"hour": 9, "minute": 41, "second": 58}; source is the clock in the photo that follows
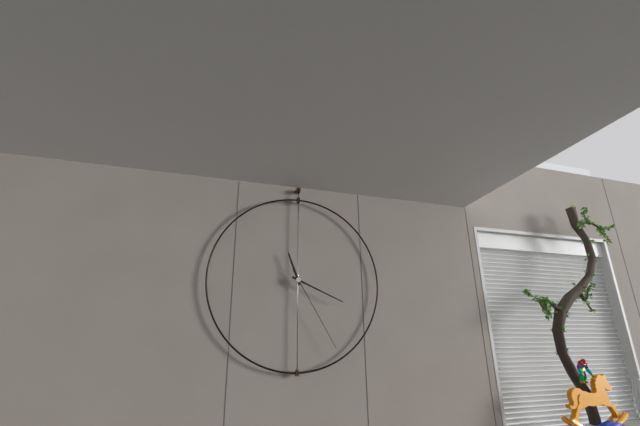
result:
{"hour": 11, "minute": 19, "second": 25}
